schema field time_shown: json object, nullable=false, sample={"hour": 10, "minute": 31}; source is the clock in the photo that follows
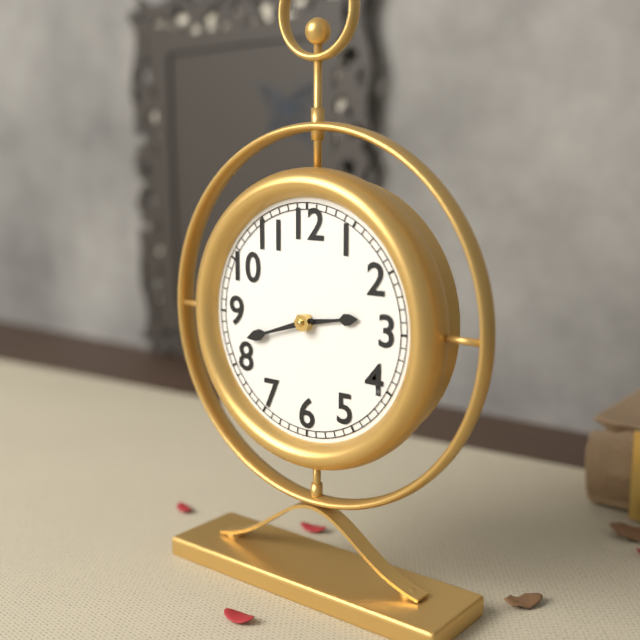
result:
{"hour": 2, "minute": 42}
